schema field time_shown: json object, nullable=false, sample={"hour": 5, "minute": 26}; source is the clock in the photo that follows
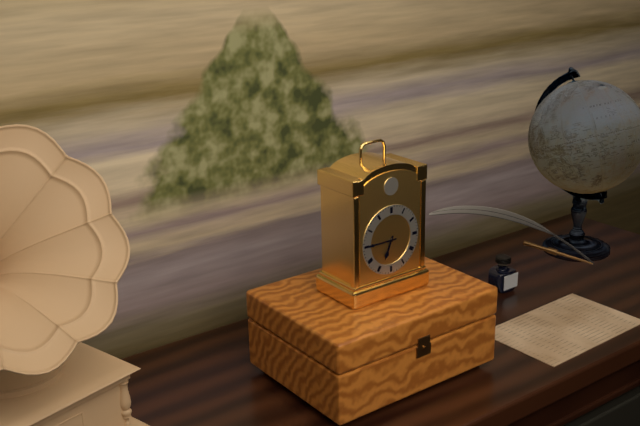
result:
{"hour": 6, "minute": 45}
